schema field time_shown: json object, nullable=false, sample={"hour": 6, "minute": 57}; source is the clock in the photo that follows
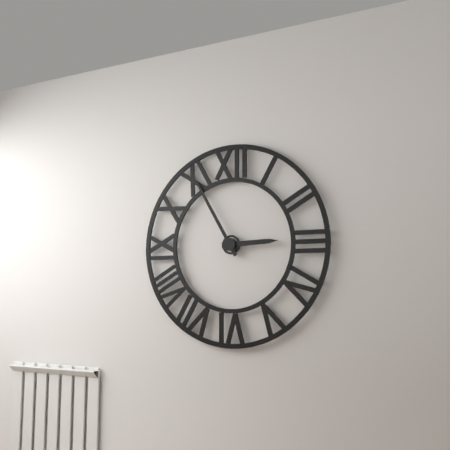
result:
{"hour": 2, "minute": 55}
